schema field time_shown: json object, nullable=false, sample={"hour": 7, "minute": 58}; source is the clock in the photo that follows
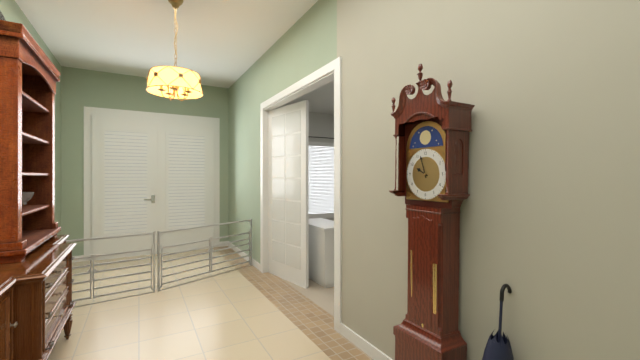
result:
{"hour": 9, "minute": 57}
